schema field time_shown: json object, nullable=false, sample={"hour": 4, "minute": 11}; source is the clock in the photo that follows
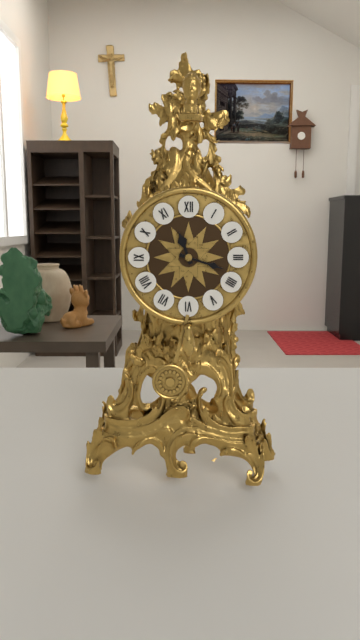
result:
{"hour": 11, "minute": 18}
